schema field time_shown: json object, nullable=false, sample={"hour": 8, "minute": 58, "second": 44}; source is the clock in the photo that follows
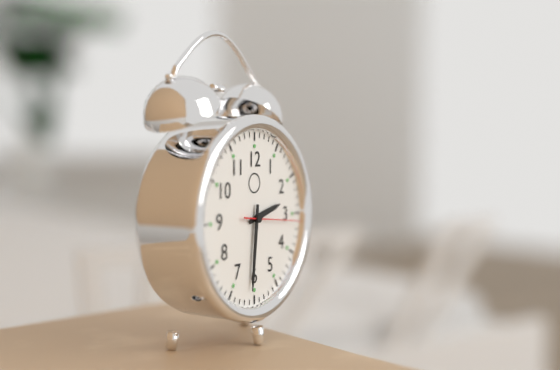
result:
{"hour": 2, "minute": 31, "second": 16}
